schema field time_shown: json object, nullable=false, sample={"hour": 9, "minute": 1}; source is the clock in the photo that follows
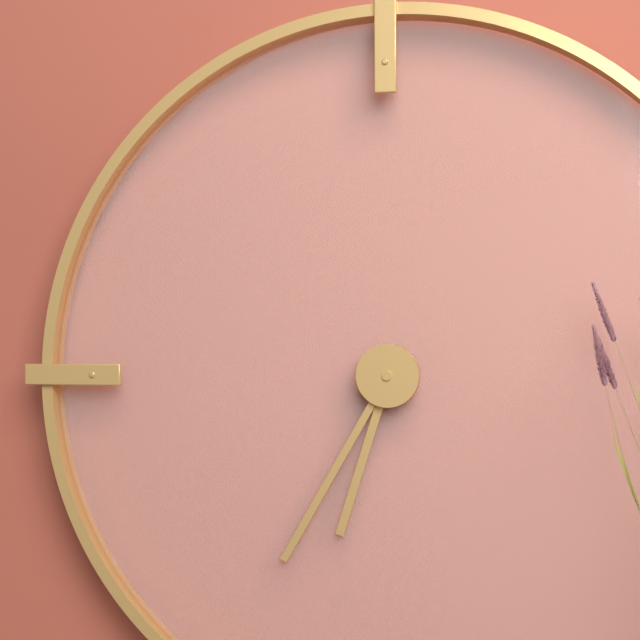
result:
{"hour": 6, "minute": 35}
